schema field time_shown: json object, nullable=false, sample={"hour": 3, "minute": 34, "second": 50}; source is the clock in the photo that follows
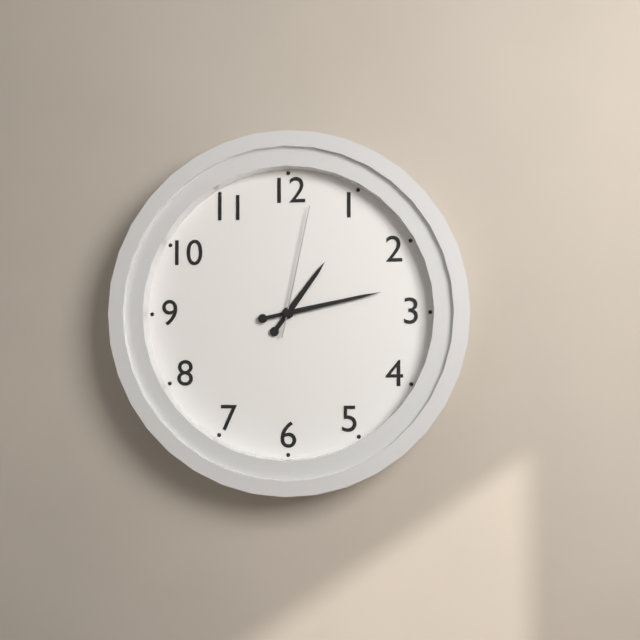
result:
{"hour": 1, "minute": 13, "second": 2}
